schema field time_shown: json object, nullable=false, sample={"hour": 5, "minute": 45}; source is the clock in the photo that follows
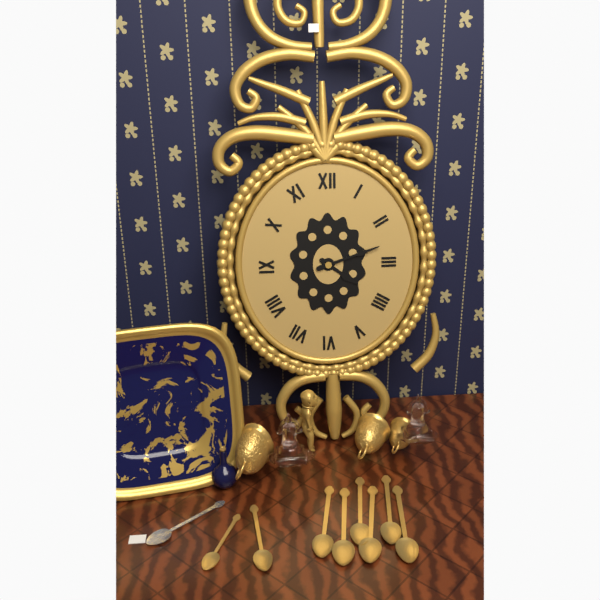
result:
{"hour": 4, "minute": 12}
